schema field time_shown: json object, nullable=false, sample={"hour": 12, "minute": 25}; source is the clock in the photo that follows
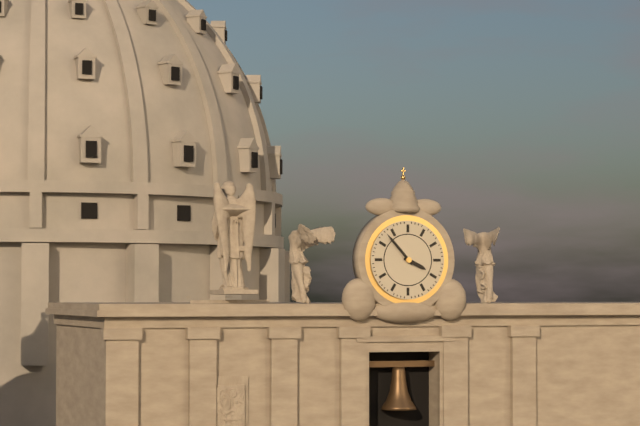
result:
{"hour": 3, "minute": 53}
